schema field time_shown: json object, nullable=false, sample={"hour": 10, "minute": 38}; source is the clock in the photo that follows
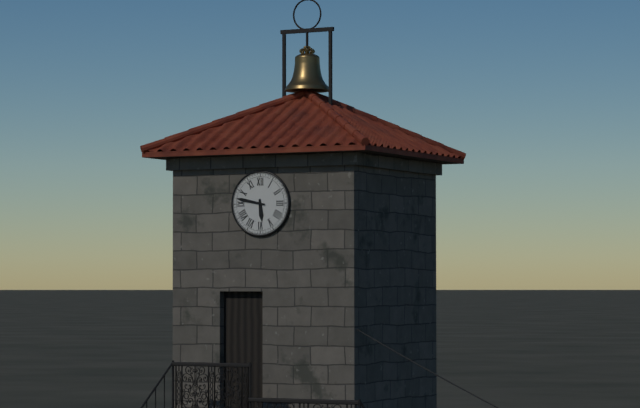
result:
{"hour": 5, "minute": 47}
